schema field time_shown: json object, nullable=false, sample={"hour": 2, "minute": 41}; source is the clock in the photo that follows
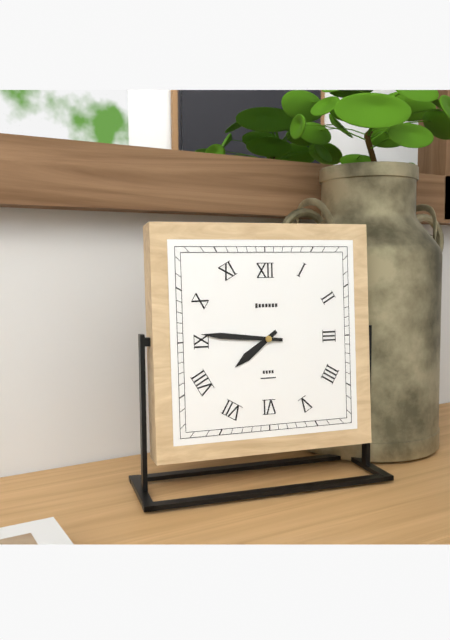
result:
{"hour": 7, "minute": 46}
